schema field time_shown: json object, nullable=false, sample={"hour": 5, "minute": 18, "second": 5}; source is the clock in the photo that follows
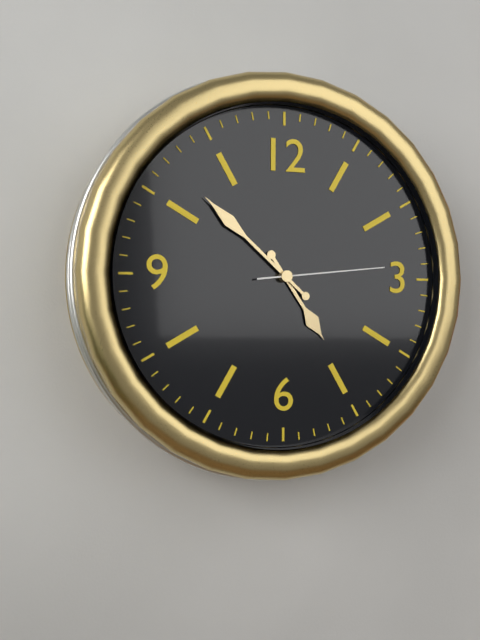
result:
{"hour": 4, "minute": 52, "second": 14}
